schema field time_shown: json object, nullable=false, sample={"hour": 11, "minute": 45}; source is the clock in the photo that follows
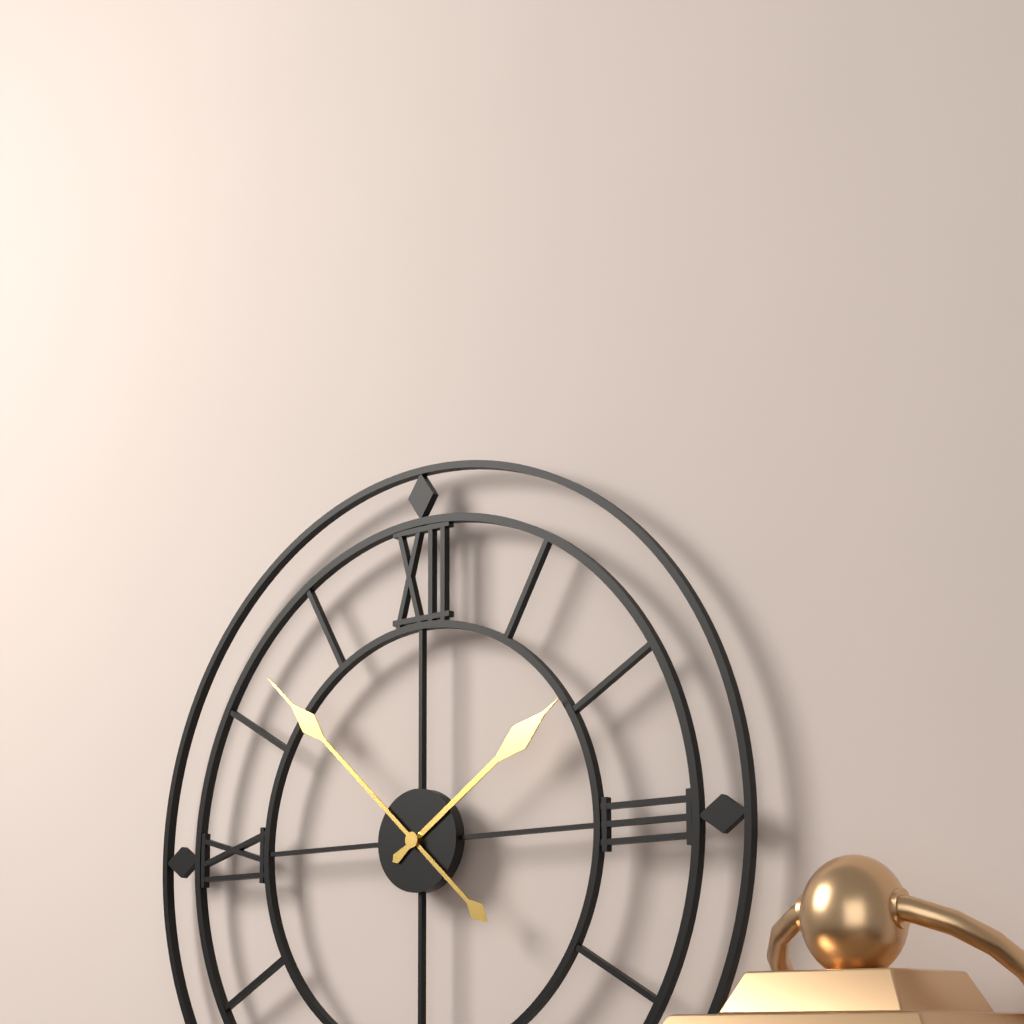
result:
{"hour": 1, "minute": 52}
